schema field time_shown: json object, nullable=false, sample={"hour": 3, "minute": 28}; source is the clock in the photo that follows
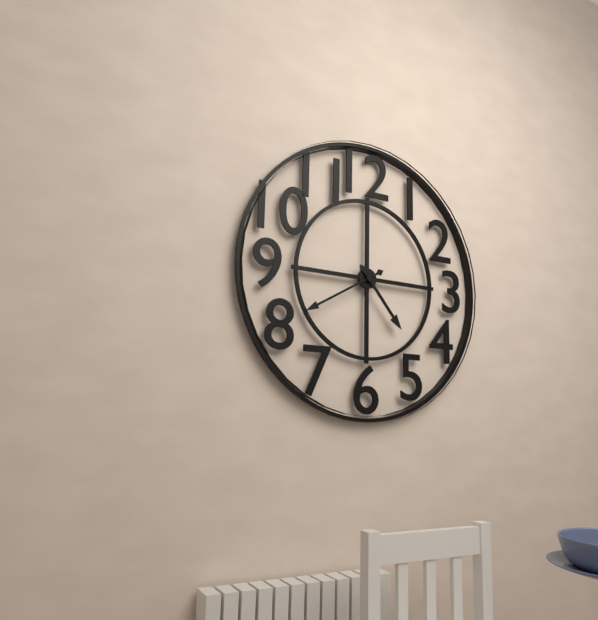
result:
{"hour": 4, "minute": 40}
